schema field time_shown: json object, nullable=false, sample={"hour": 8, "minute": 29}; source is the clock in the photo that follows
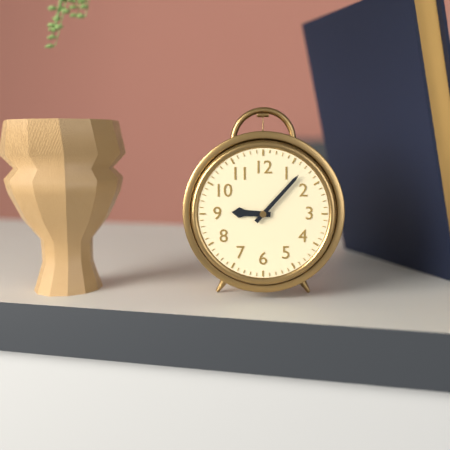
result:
{"hour": 9, "minute": 7}
